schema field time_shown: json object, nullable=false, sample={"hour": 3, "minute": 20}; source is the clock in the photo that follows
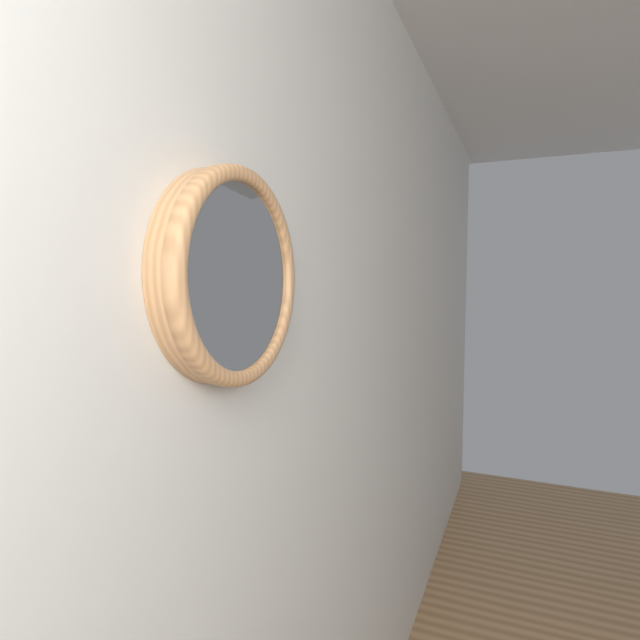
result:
{"hour": 8, "minute": 0}
